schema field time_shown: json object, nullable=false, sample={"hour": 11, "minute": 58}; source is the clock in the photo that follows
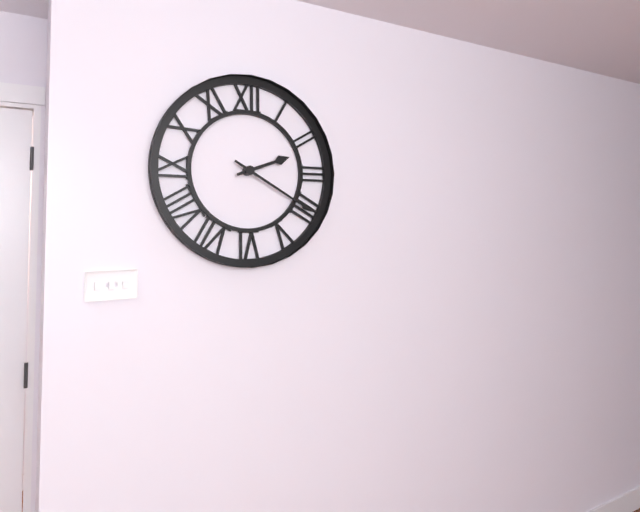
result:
{"hour": 2, "minute": 20}
